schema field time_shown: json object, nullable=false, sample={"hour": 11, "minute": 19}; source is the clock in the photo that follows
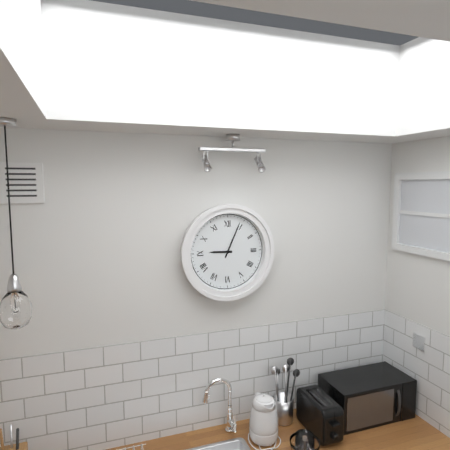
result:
{"hour": 9, "minute": 4}
